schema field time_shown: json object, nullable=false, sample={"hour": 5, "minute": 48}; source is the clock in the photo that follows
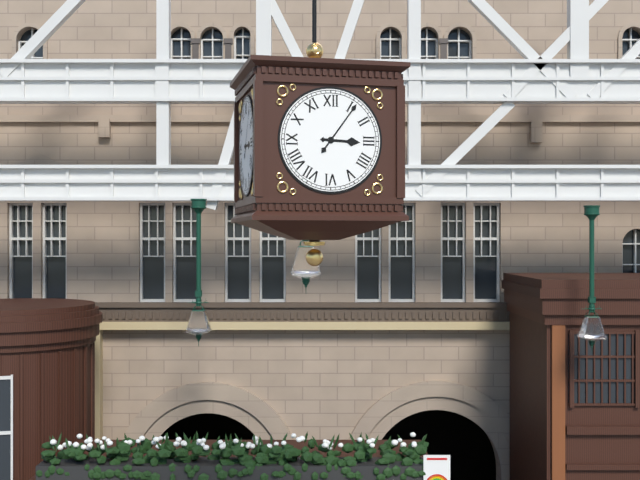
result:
{"hour": 3, "minute": 6}
